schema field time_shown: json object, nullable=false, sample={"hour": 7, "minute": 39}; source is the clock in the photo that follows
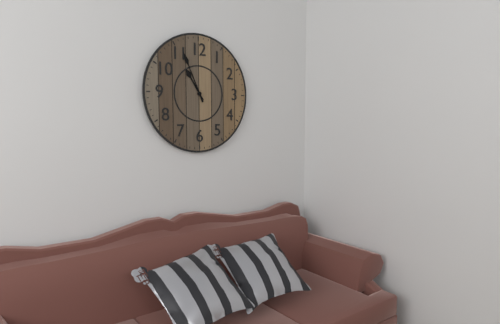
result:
{"hour": 10, "minute": 56}
